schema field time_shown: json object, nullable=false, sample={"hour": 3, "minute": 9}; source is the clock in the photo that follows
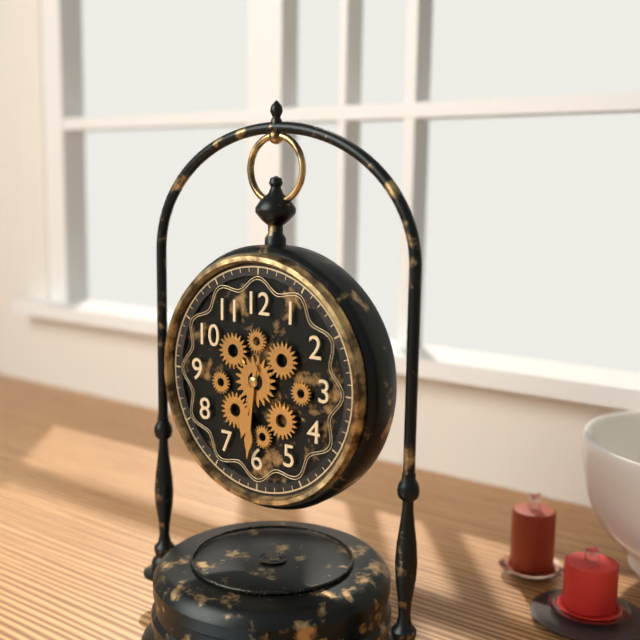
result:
{"hour": 6, "minute": 31}
